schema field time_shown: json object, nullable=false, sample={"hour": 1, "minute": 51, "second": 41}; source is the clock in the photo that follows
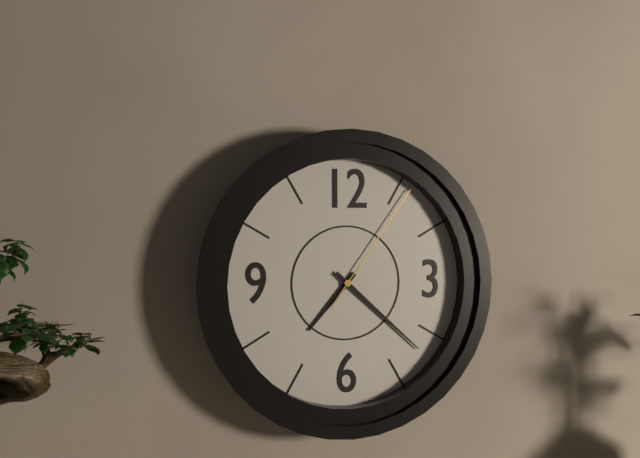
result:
{"hour": 7, "minute": 22, "second": 6}
